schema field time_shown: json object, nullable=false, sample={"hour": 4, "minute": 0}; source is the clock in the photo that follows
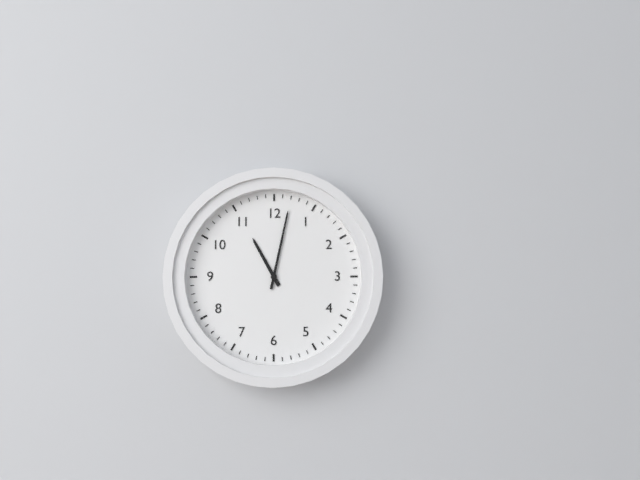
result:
{"hour": 11, "minute": 2}
